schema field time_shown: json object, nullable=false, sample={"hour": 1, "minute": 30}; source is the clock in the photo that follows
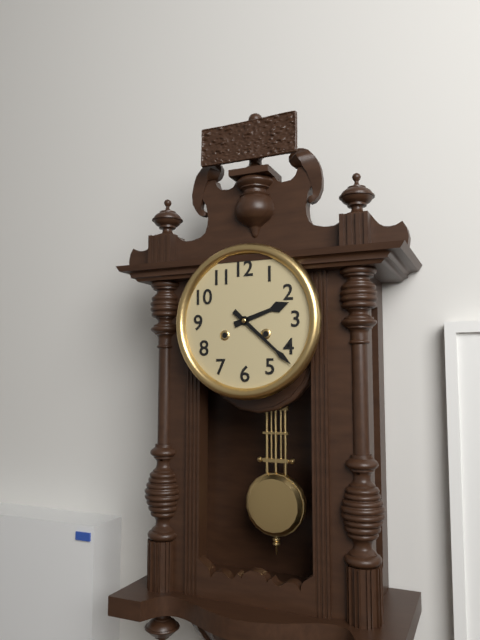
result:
{"hour": 2, "minute": 22}
